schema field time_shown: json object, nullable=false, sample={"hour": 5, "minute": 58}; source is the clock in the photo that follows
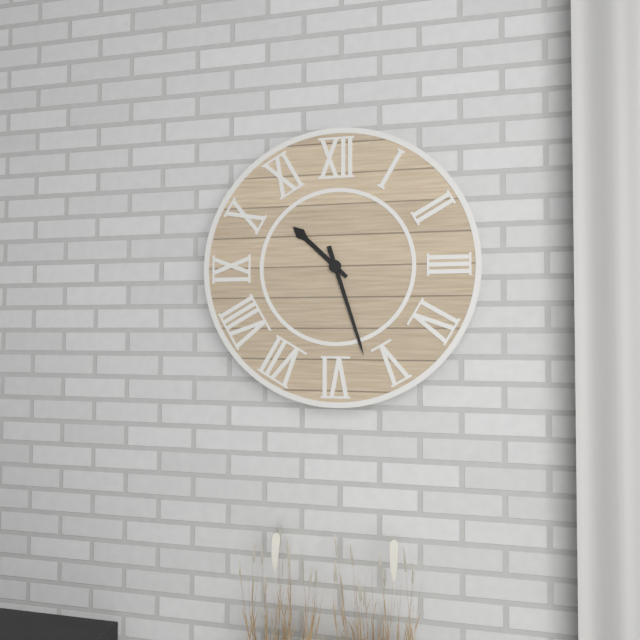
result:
{"hour": 10, "minute": 27}
